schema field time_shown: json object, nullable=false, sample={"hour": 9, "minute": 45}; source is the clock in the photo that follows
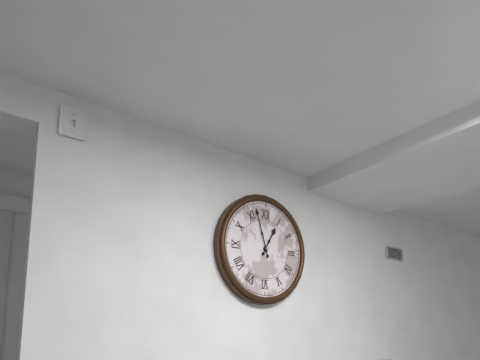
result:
{"hour": 12, "minute": 57}
